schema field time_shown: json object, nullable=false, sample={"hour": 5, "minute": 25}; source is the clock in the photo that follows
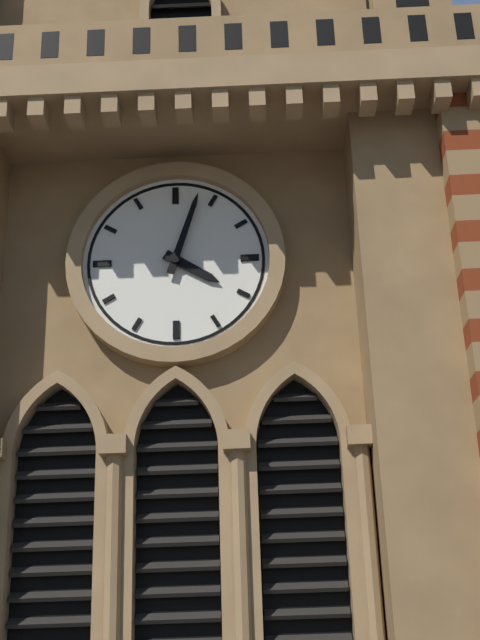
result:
{"hour": 4, "minute": 3}
